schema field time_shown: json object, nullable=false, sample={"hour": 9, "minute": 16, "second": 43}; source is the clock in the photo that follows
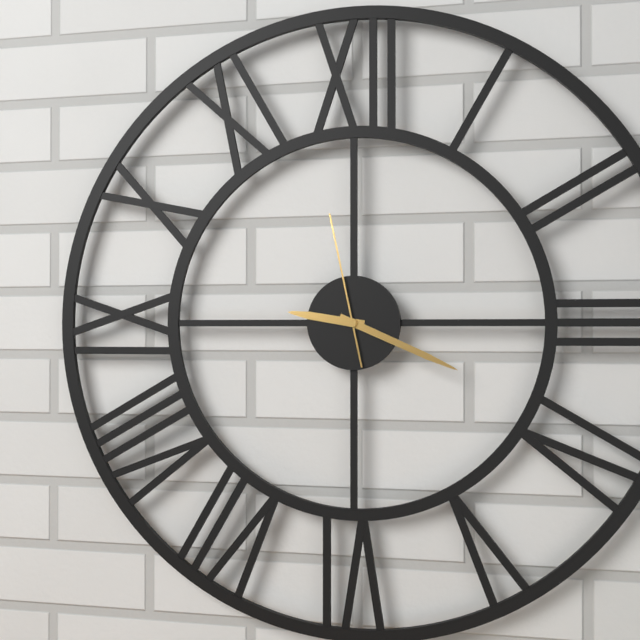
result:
{"hour": 9, "minute": 19, "second": 58}
